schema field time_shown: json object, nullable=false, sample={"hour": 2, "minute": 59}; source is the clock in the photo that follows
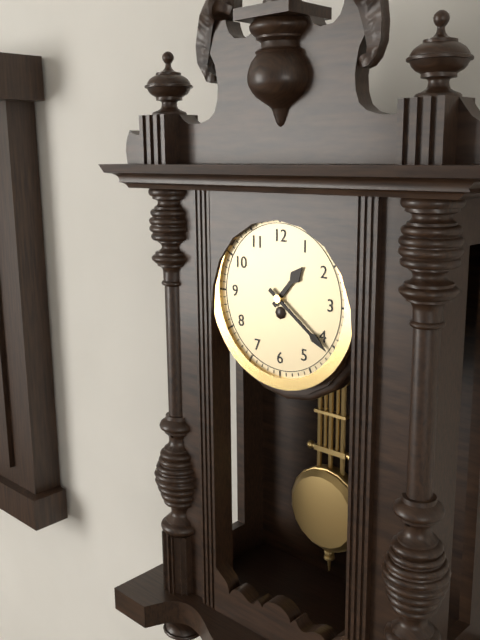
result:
{"hour": 1, "minute": 21}
